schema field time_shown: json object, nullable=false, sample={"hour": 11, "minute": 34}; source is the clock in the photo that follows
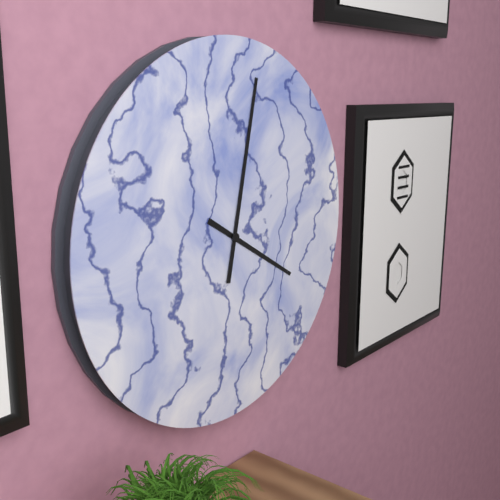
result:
{"hour": 4, "minute": 2}
